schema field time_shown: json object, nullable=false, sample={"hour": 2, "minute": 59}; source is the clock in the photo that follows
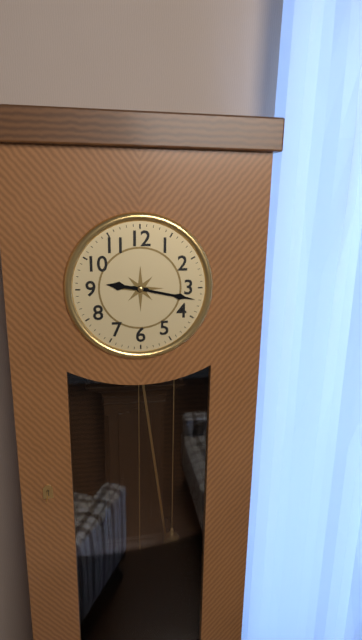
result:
{"hour": 9, "minute": 17}
